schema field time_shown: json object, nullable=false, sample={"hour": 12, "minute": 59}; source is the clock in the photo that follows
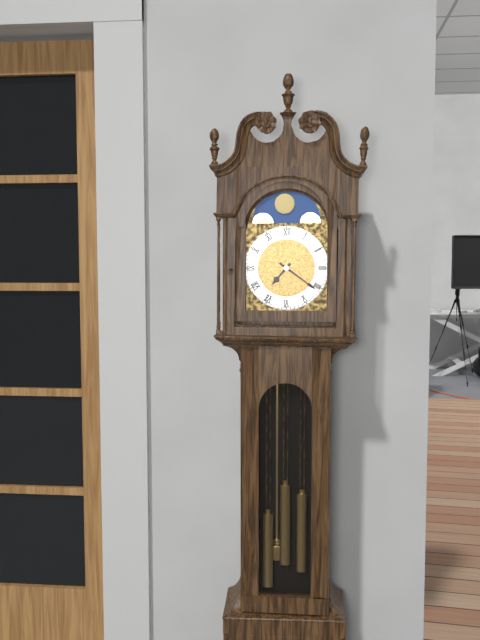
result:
{"hour": 7, "minute": 21}
